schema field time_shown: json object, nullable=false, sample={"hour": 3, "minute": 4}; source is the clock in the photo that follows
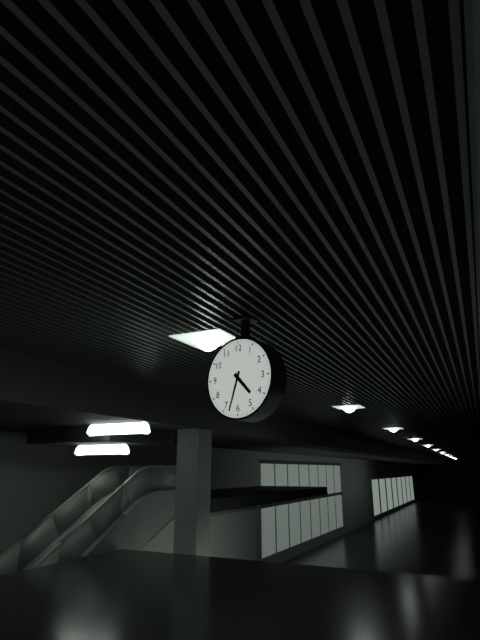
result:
{"hour": 4, "minute": 33}
